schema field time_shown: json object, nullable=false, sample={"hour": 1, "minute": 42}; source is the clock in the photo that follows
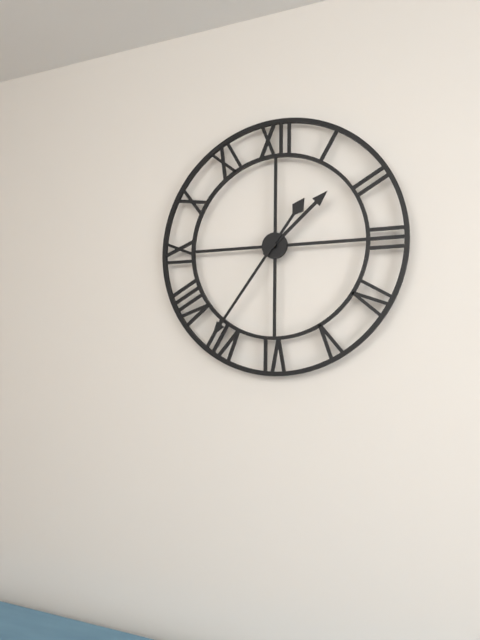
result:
{"hour": 1, "minute": 36}
